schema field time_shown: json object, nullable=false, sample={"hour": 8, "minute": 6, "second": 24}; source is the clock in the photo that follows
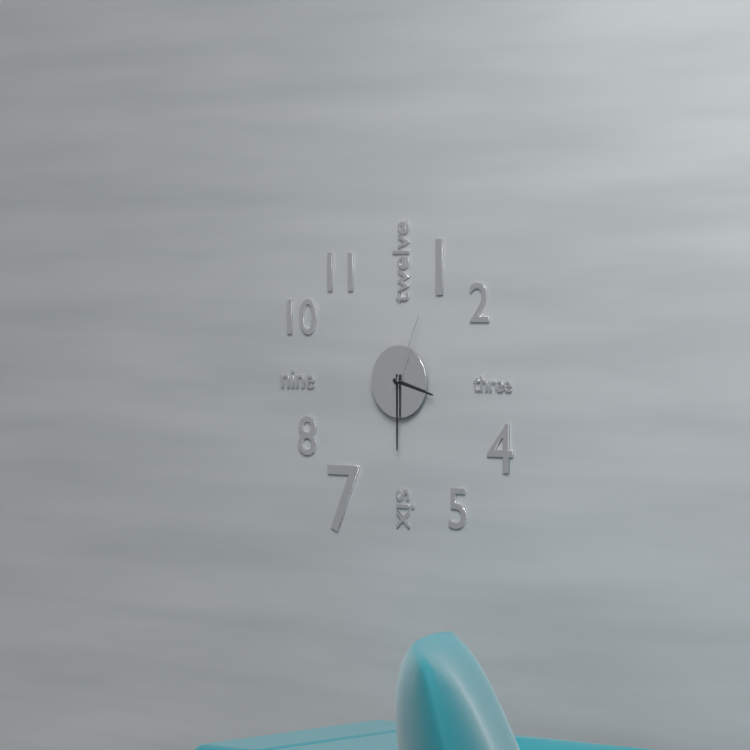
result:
{"hour": 3, "minute": 30, "second": 4}
